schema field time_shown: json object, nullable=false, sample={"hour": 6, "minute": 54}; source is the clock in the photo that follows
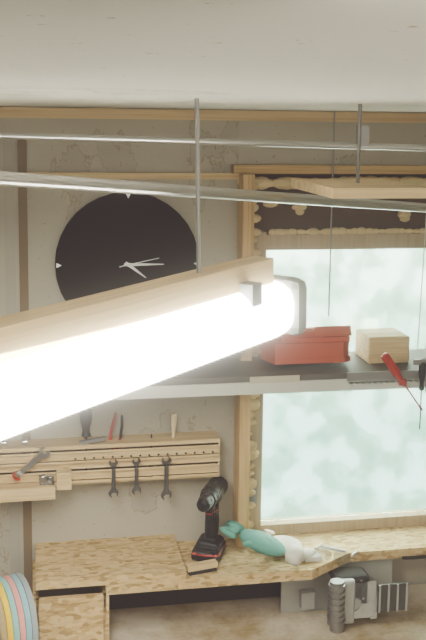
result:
{"hour": 4, "minute": 15}
